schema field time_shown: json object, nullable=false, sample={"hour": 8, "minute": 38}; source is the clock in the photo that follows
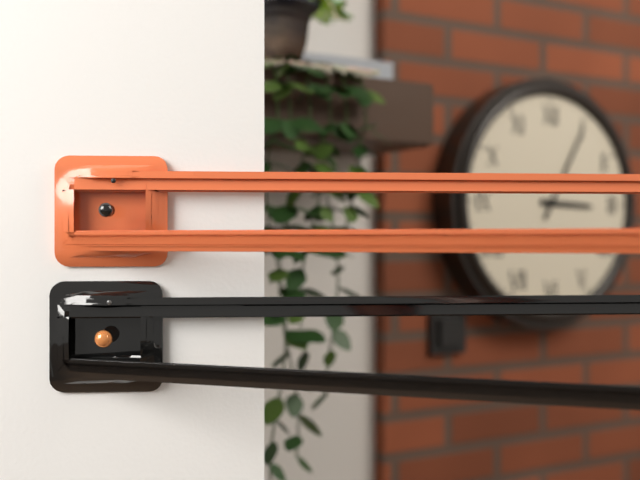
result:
{"hour": 3, "minute": 5}
